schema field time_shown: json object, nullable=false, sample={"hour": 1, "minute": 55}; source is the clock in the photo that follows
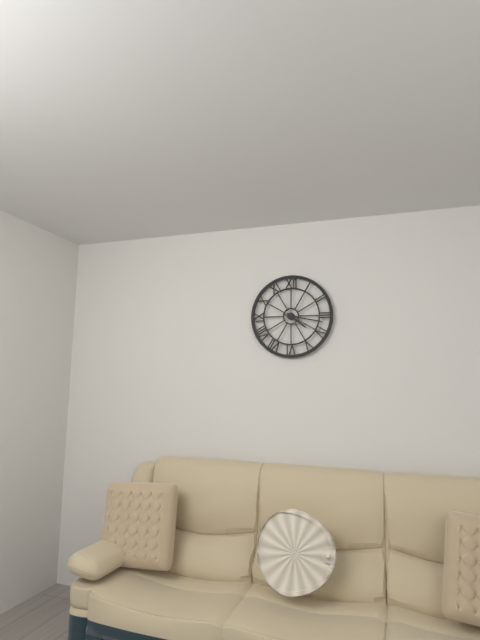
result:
{"hour": 4, "minute": 17}
